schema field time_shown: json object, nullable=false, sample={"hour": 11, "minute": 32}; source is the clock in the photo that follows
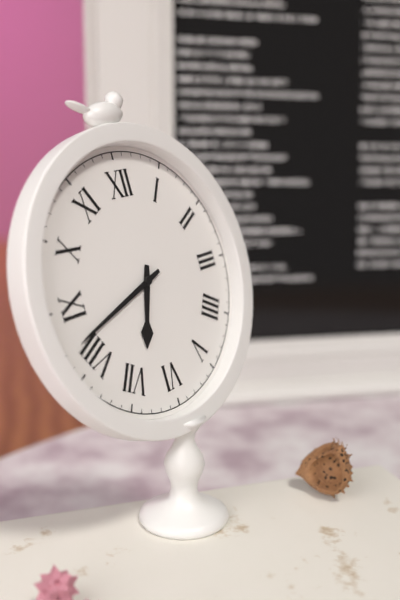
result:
{"hour": 6, "minute": 42}
